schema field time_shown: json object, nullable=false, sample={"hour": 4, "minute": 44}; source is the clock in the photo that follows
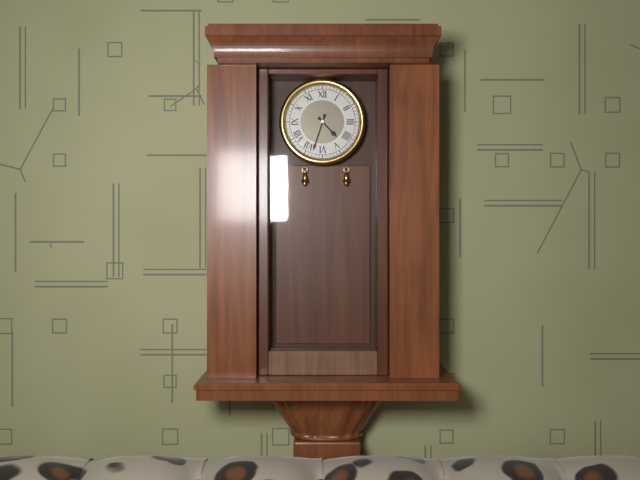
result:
{"hour": 4, "minute": 33}
